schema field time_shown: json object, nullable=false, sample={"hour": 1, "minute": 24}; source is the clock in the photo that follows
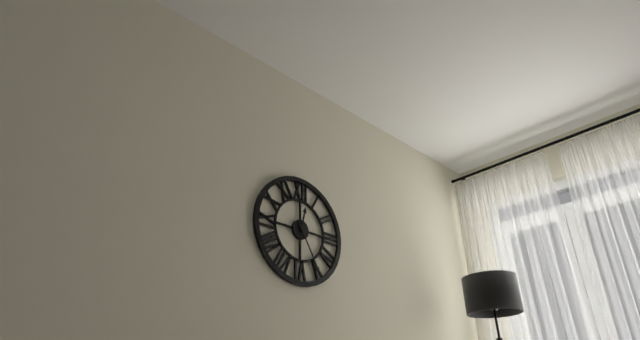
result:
{"hour": 12, "minute": 25}
